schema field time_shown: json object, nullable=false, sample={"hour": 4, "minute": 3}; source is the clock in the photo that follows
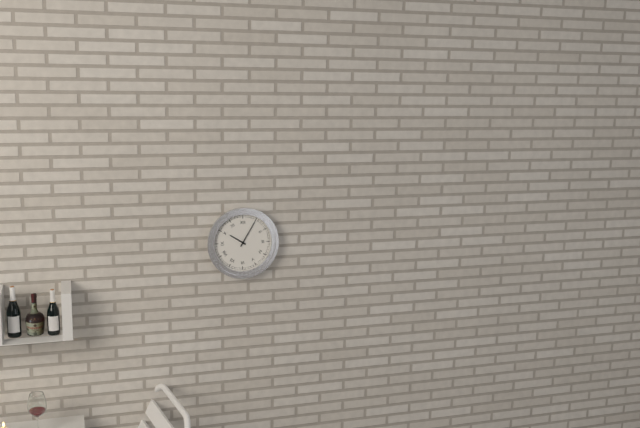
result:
{"hour": 10, "minute": 5}
